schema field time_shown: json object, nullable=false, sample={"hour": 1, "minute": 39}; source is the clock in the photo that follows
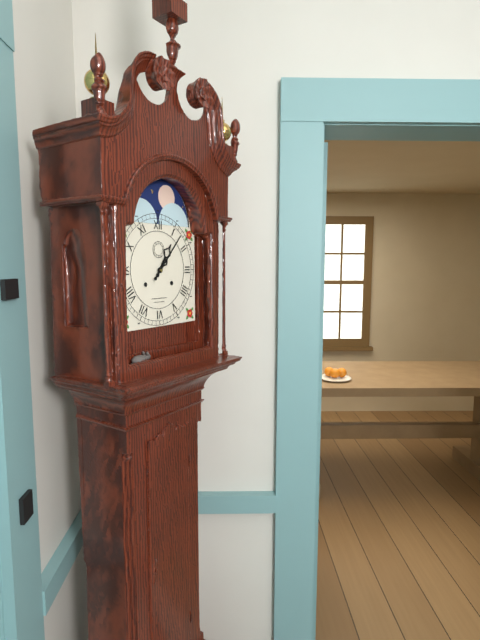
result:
{"hour": 1, "minute": 7}
